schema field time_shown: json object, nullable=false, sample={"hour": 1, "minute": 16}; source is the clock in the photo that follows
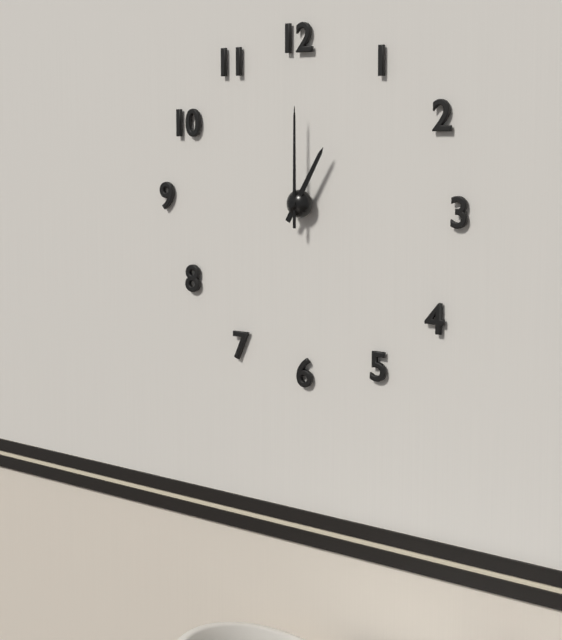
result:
{"hour": 1, "minute": 0}
